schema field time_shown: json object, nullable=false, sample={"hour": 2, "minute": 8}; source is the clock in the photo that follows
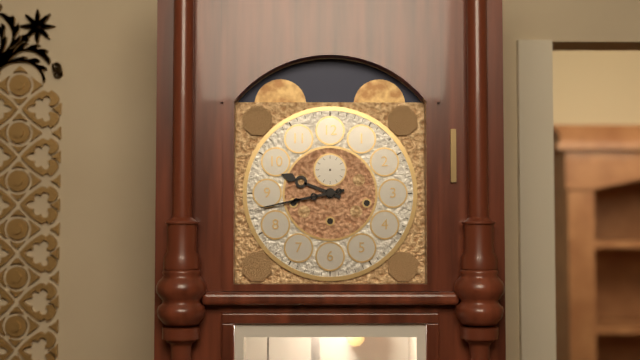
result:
{"hour": 9, "minute": 43}
